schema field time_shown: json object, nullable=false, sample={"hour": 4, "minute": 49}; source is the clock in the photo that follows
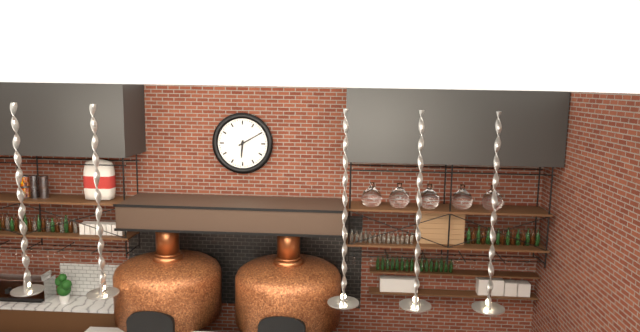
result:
{"hour": 6, "minute": 10}
